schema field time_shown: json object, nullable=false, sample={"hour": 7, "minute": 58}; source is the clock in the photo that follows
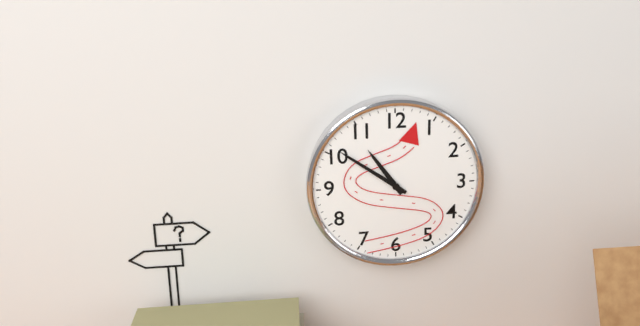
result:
{"hour": 10, "minute": 51}
